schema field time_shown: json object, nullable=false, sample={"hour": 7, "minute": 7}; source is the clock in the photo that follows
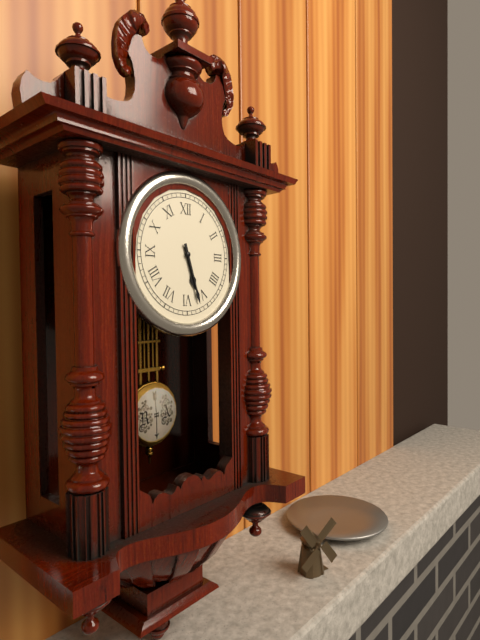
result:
{"hour": 5, "minute": 27}
